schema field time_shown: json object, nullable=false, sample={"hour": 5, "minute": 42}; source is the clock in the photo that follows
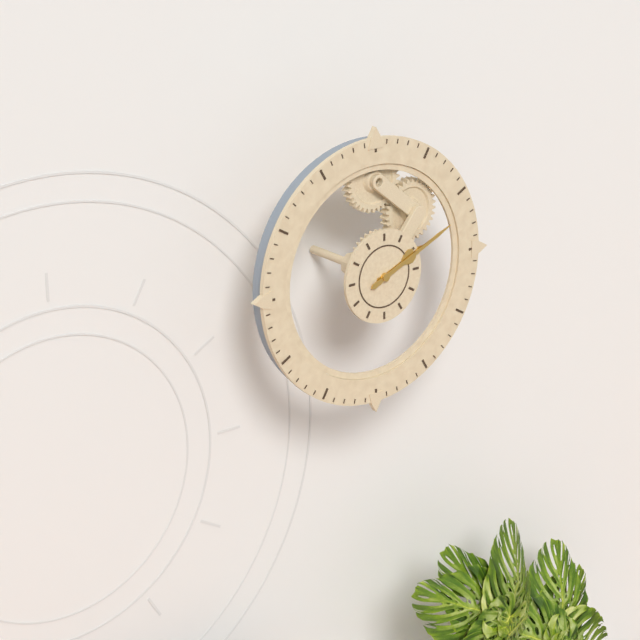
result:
{"hour": 2, "minute": 11}
